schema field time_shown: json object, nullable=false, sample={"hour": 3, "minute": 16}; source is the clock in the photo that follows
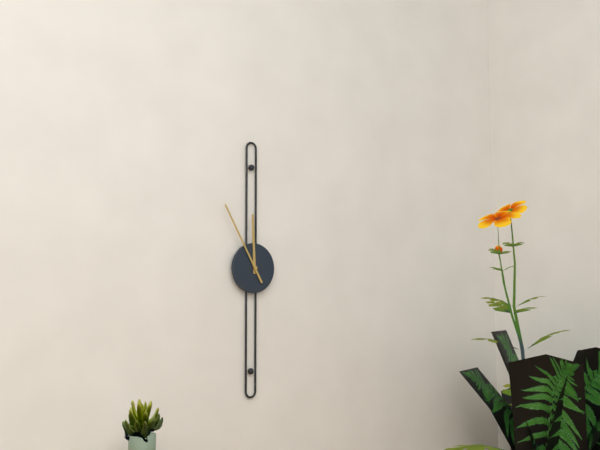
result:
{"hour": 11, "minute": 55}
